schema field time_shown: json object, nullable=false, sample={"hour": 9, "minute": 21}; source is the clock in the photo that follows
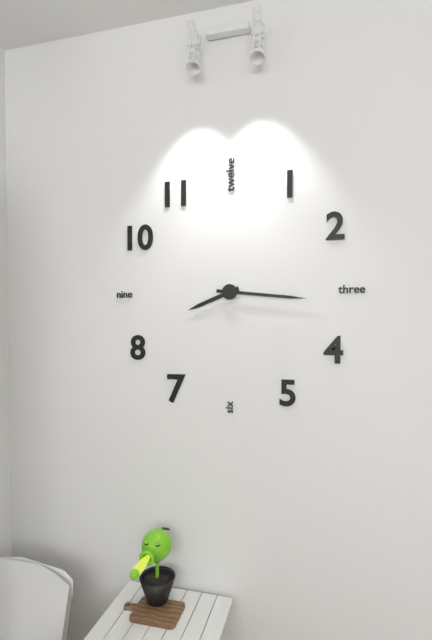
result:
{"hour": 8, "minute": 16}
